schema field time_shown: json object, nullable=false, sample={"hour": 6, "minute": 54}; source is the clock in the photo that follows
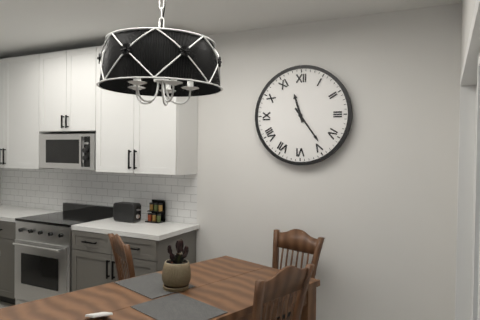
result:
{"hour": 11, "minute": 24}
